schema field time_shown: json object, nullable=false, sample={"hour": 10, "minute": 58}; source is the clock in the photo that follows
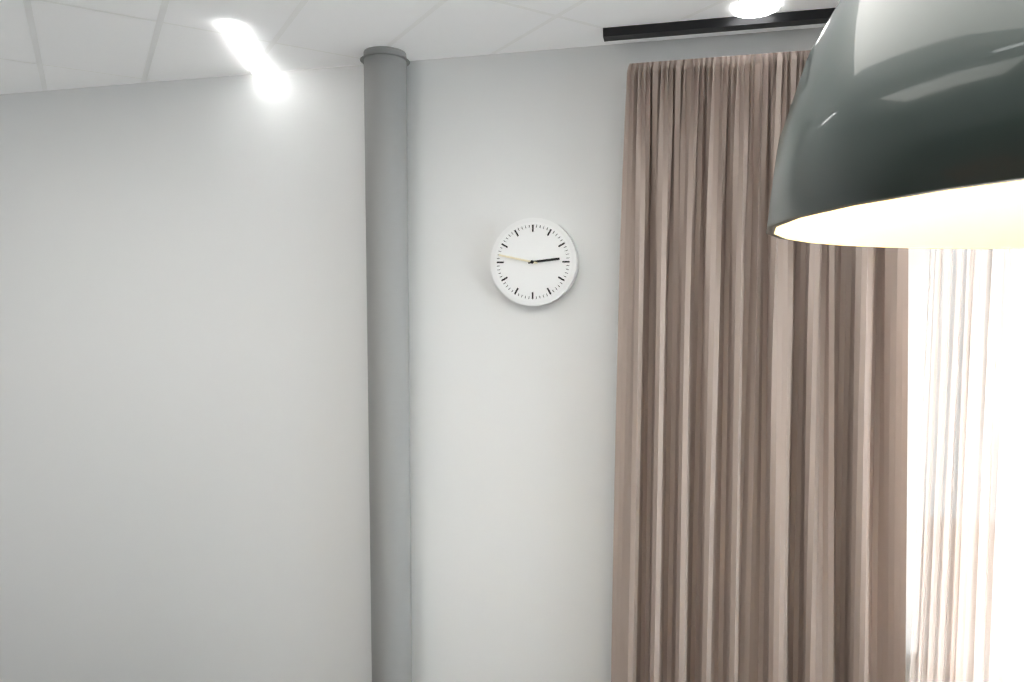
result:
{"hour": 2, "minute": 47}
